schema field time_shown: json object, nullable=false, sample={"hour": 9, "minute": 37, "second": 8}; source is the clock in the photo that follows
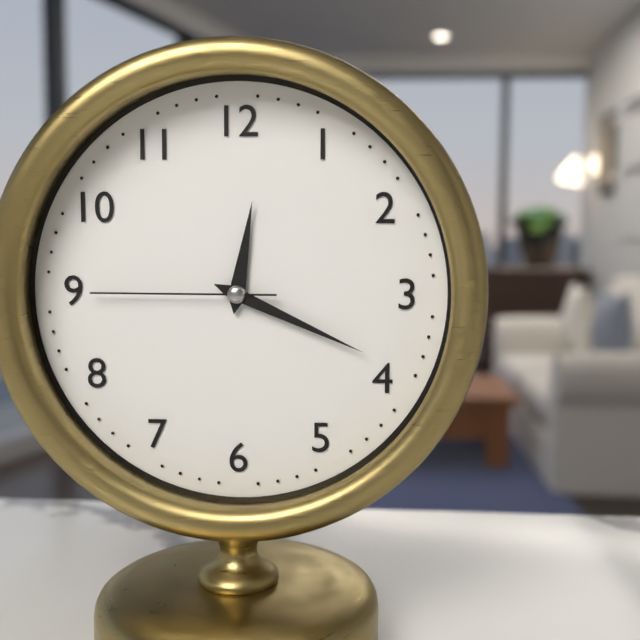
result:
{"hour": 12, "minute": 19, "second": 45}
